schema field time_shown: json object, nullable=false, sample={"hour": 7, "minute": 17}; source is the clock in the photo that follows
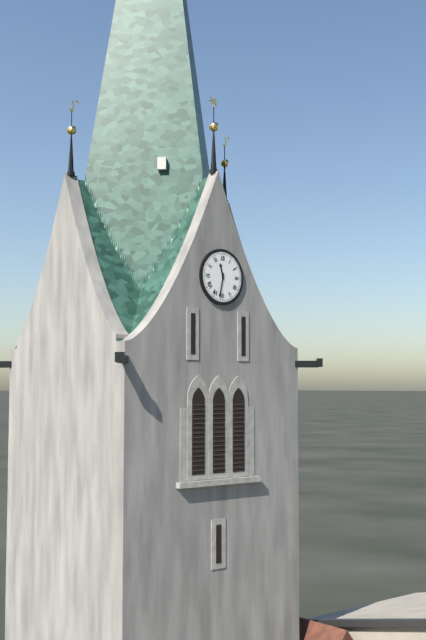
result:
{"hour": 11, "minute": 32}
